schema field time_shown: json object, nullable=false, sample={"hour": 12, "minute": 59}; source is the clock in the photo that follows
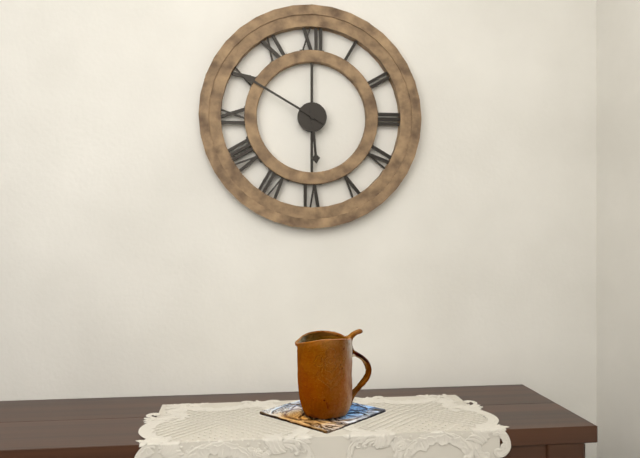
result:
{"hour": 5, "minute": 50}
